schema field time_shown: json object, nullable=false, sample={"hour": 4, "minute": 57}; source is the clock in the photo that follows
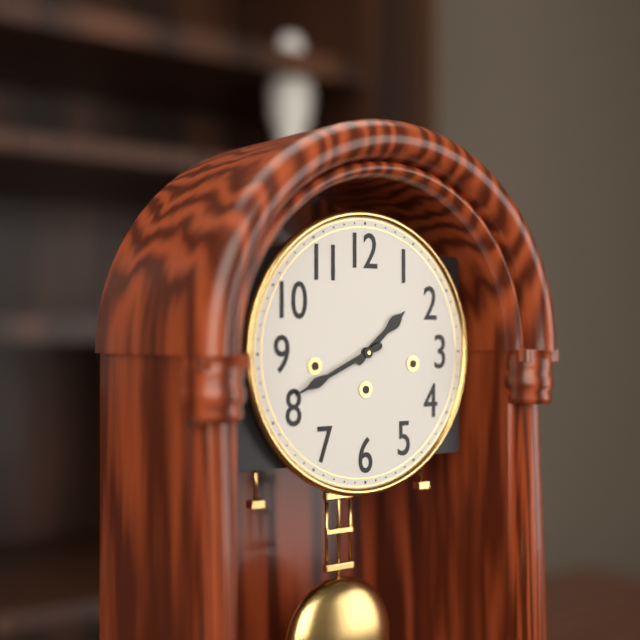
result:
{"hour": 1, "minute": 41}
